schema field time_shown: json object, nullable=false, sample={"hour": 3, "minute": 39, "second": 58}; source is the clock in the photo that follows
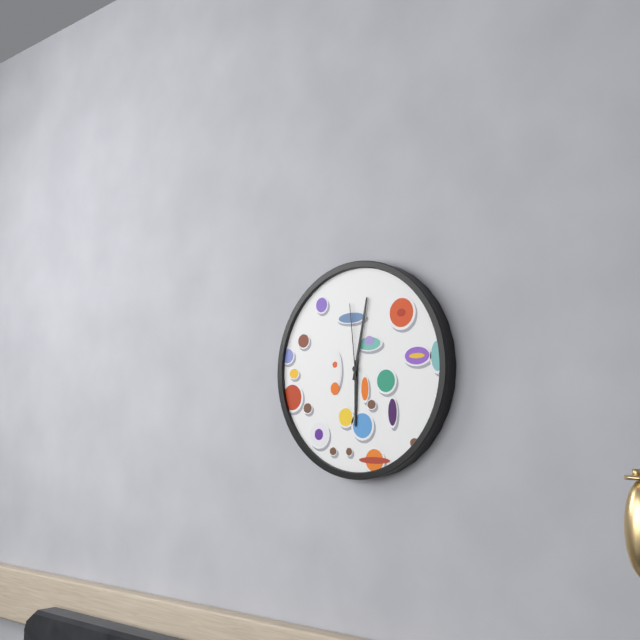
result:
{"hour": 6, "minute": 2, "second": 59}
